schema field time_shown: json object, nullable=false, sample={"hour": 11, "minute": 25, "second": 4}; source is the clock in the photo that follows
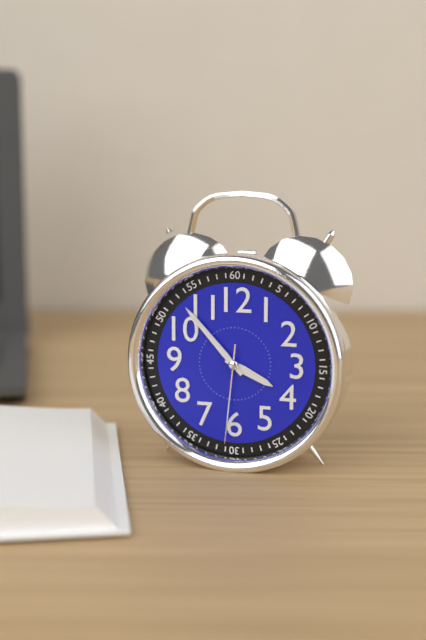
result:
{"hour": 3, "minute": 53, "second": 31}
